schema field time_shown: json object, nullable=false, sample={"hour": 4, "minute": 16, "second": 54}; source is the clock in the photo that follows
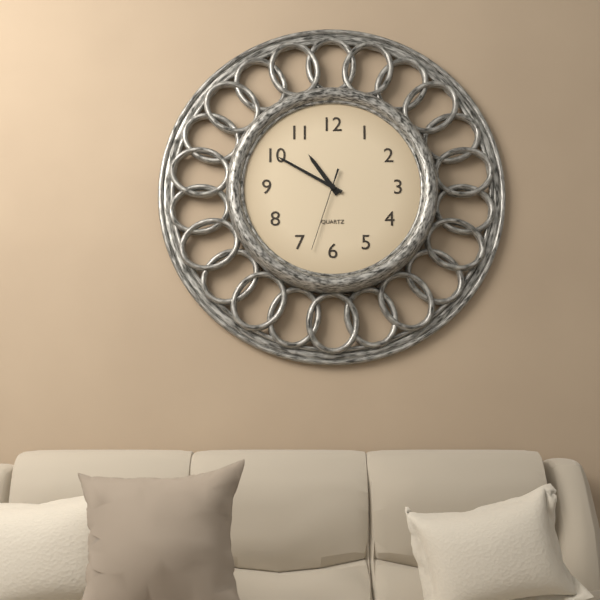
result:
{"hour": 10, "minute": 50, "second": 33}
